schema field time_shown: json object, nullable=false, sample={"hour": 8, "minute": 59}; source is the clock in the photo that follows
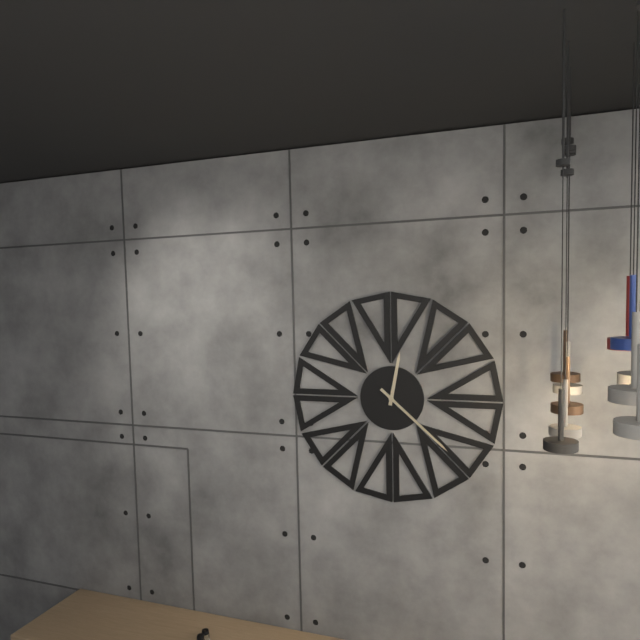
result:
{"hour": 12, "minute": 22}
